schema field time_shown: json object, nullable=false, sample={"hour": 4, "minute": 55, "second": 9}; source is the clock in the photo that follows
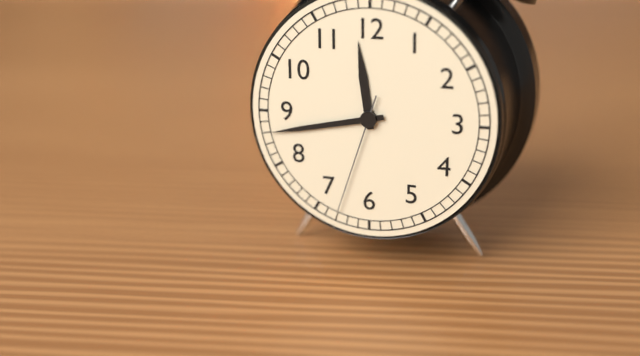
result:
{"hour": 11, "minute": 43, "second": 33}
